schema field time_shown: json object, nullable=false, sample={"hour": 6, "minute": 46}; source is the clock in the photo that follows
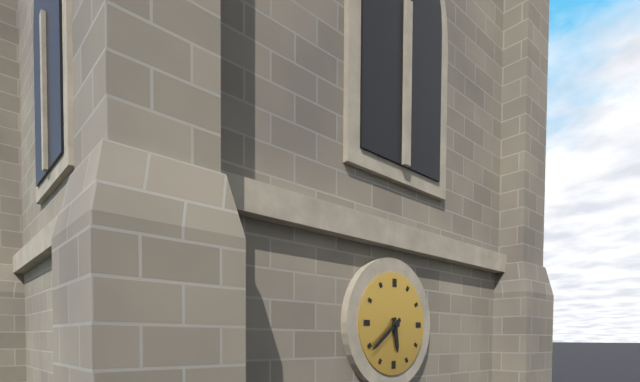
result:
{"hour": 5, "minute": 39}
